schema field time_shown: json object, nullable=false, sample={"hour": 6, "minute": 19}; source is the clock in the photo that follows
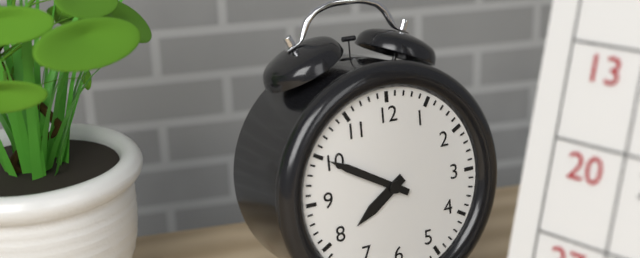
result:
{"hour": 7, "minute": 50}
